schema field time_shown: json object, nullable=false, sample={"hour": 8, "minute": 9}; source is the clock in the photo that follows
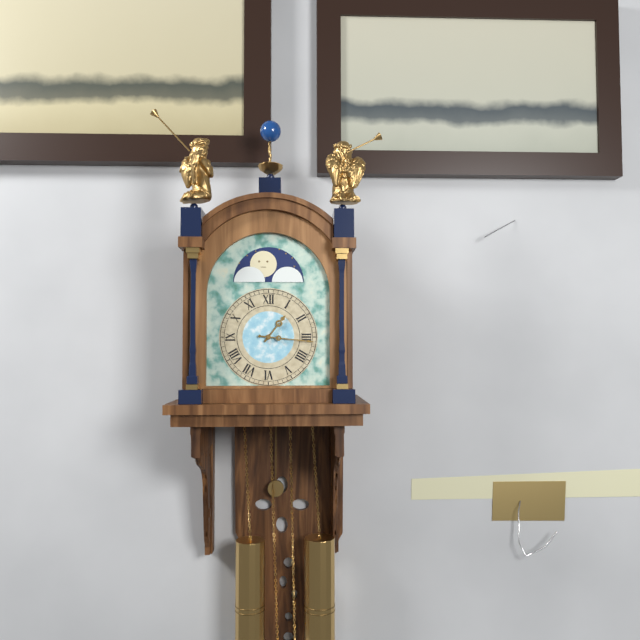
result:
{"hour": 1, "minute": 16}
